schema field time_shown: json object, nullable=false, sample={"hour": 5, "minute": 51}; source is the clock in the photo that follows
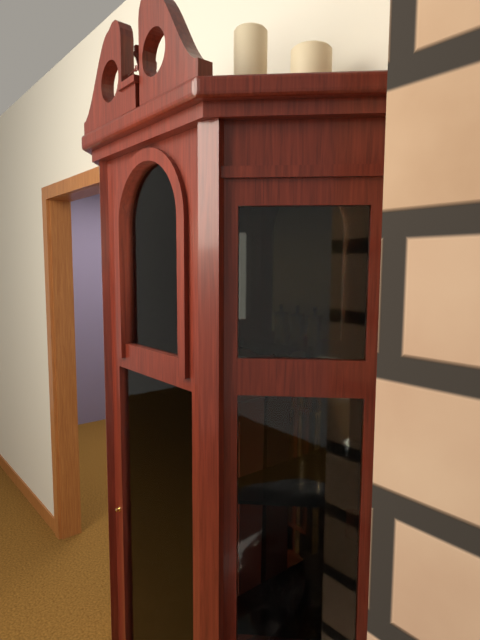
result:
{"hour": 11, "minute": 45}
